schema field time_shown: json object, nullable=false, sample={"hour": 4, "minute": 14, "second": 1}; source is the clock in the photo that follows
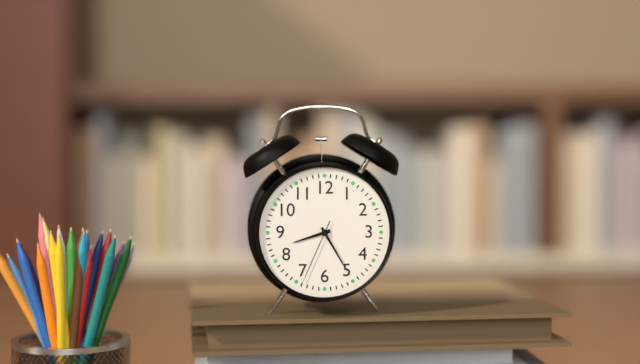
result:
{"hour": 8, "minute": 25, "second": 34}
